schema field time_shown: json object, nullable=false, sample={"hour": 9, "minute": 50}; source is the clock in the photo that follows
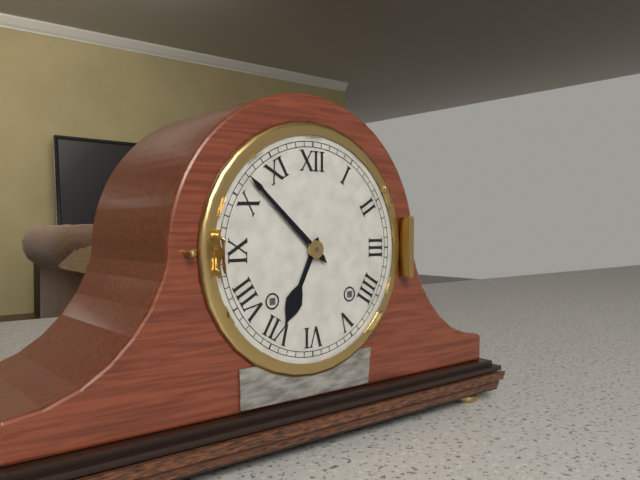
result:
{"hour": 6, "minute": 52}
